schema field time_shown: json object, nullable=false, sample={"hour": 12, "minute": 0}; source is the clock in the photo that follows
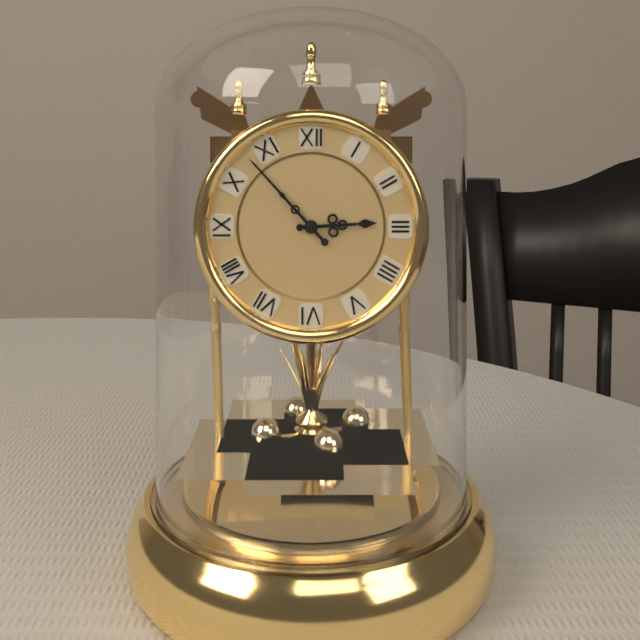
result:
{"hour": 2, "minute": 53}
